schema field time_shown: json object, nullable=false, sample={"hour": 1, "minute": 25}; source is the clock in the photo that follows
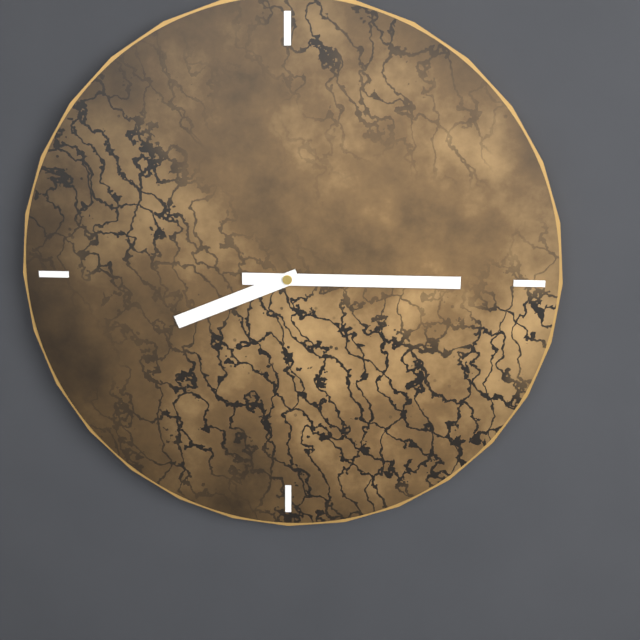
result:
{"hour": 8, "minute": 15}
